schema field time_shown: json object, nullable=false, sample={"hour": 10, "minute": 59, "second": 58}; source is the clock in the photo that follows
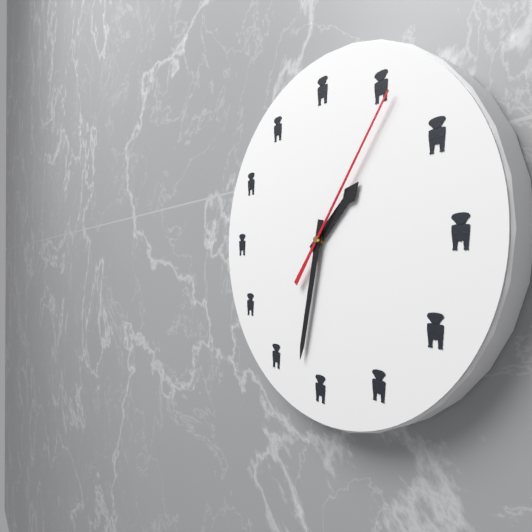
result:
{"hour": 1, "minute": 32, "second": 6}
